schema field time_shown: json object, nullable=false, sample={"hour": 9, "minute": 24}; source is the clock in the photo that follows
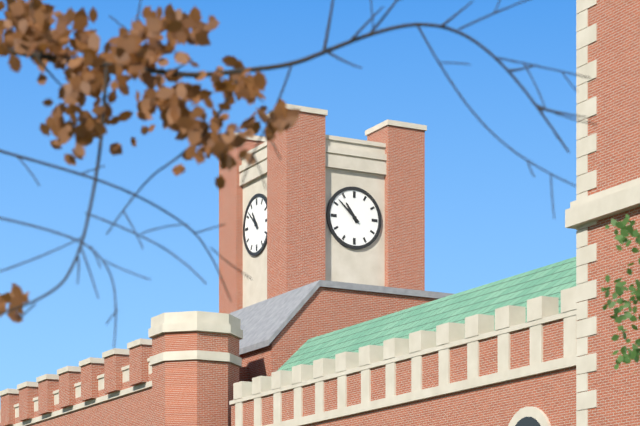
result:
{"hour": 10, "minute": 52}
